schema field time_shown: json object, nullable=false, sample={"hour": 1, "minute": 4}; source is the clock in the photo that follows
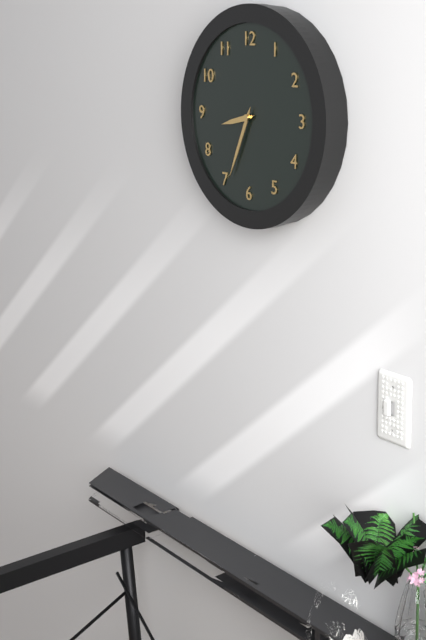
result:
{"hour": 8, "minute": 34}
